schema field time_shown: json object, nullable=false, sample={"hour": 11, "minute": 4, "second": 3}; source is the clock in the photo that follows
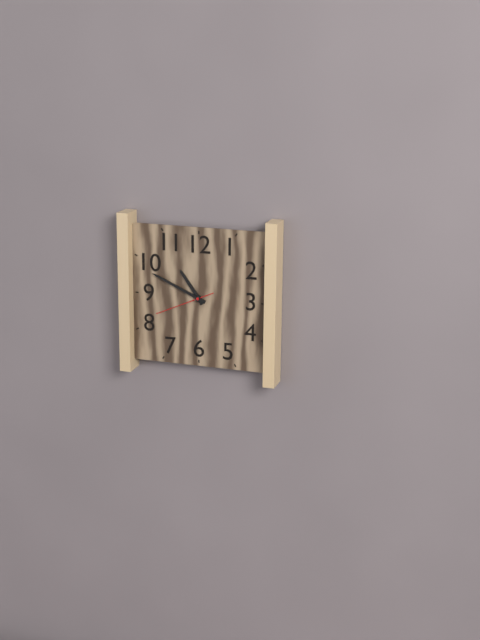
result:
{"hour": 10, "minute": 49, "second": 41}
